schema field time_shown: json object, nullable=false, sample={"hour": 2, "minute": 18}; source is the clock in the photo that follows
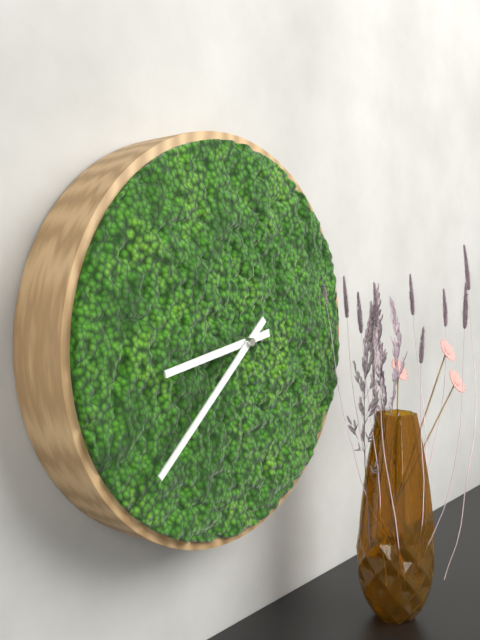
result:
{"hour": 8, "minute": 38}
